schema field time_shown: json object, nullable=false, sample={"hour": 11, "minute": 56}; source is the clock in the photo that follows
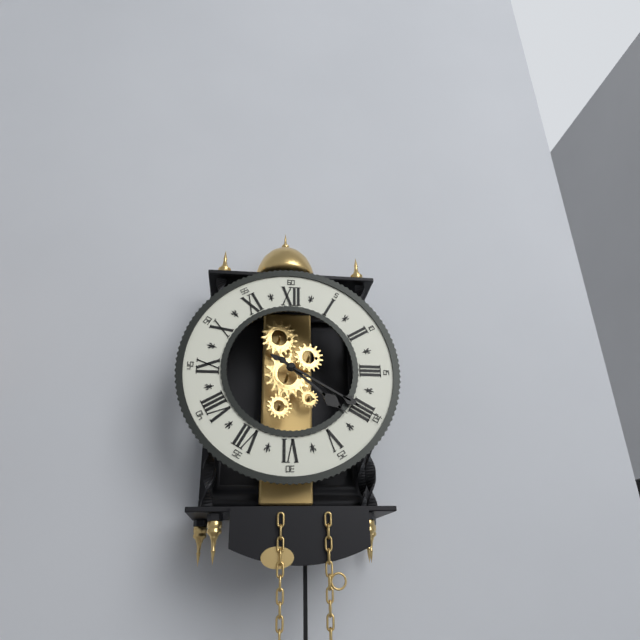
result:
{"hour": 4, "minute": 20}
